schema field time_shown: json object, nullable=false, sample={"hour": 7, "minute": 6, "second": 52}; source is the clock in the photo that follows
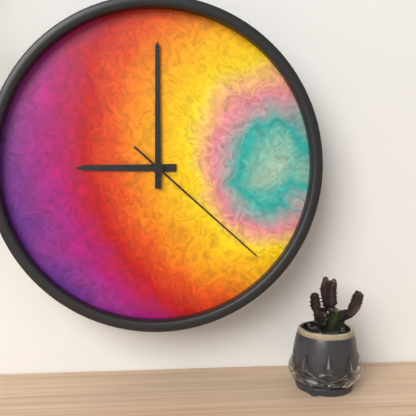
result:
{"hour": 9, "minute": 0, "second": 22}
